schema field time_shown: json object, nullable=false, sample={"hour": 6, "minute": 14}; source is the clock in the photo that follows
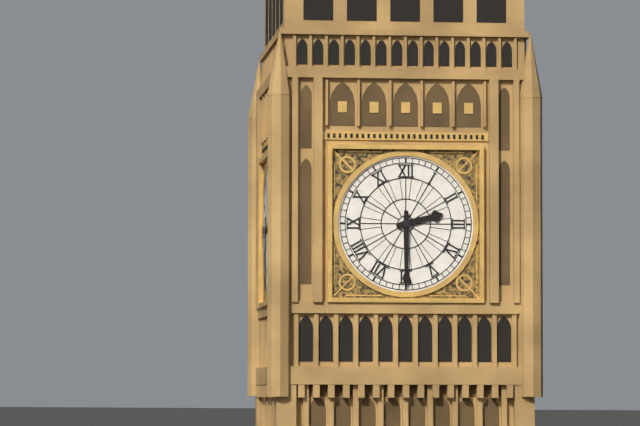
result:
{"hour": 2, "minute": 30}
